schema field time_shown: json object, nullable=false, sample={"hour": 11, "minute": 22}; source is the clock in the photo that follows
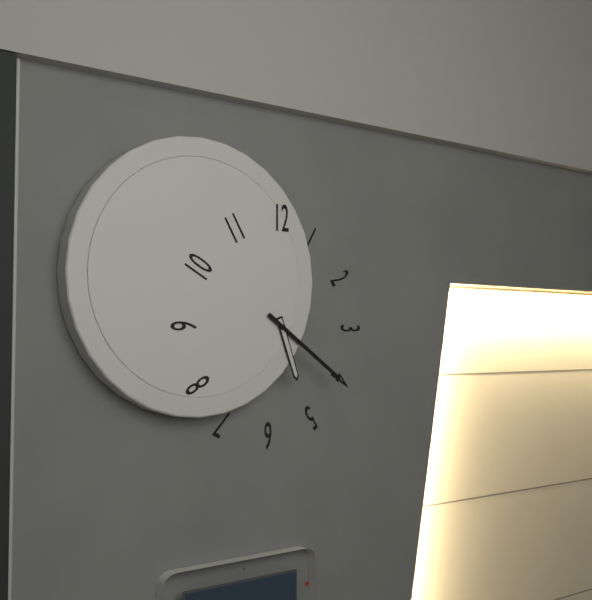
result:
{"hour": 5, "minute": 21}
